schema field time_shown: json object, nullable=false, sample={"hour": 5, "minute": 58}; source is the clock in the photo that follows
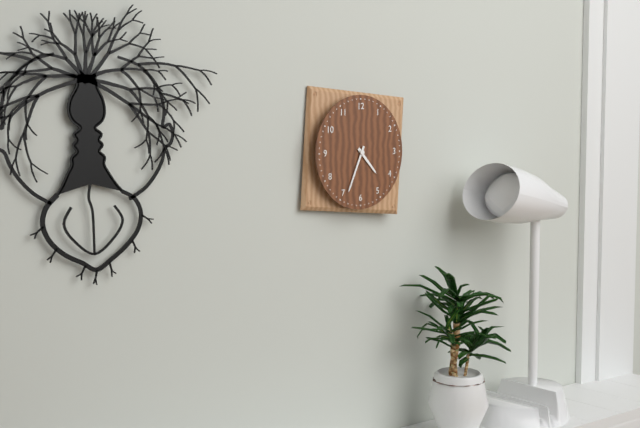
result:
{"hour": 4, "minute": 34}
